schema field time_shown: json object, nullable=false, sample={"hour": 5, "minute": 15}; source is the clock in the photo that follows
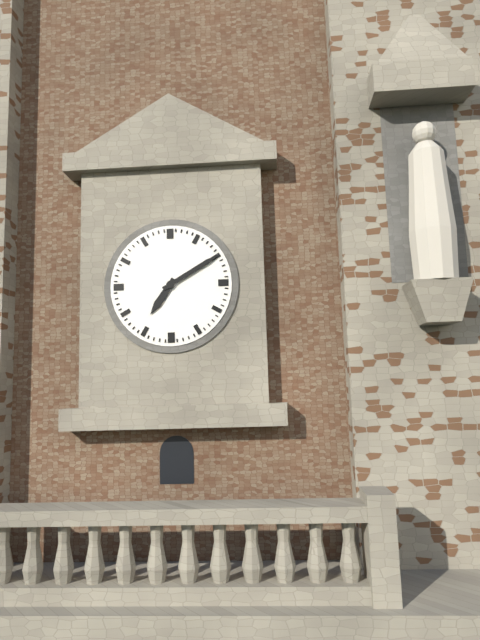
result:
{"hour": 7, "minute": 10}
